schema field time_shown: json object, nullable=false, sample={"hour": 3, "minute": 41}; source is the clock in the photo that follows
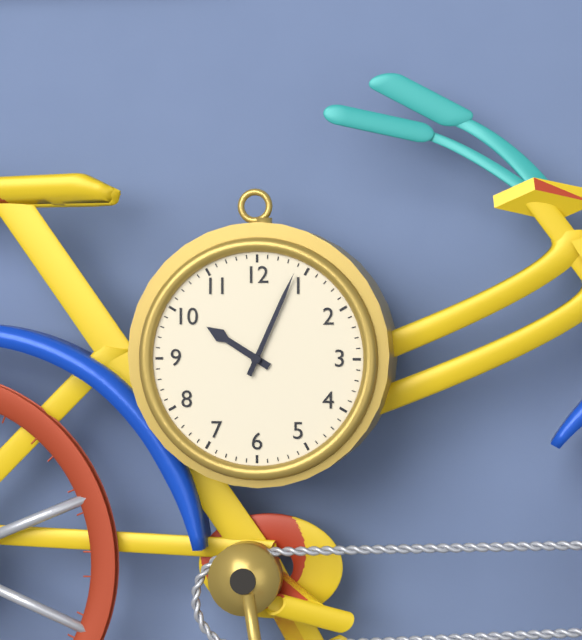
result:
{"hour": 10, "minute": 4}
